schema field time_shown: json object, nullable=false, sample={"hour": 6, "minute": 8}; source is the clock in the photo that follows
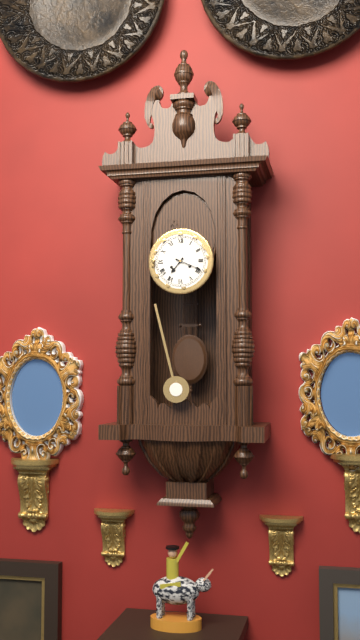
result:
{"hour": 7, "minute": 19}
